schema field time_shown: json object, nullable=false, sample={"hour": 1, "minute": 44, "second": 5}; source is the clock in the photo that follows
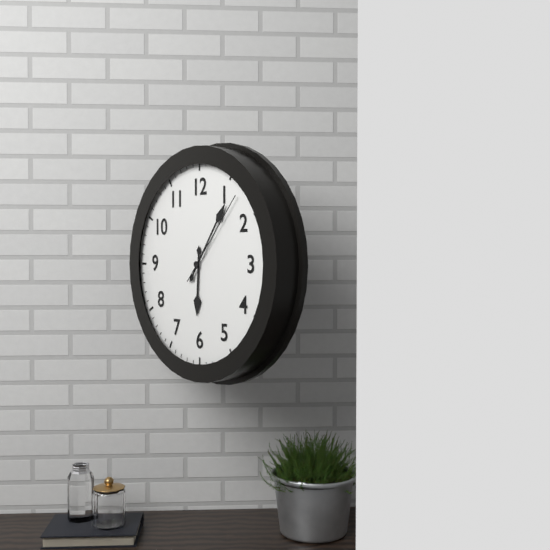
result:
{"hour": 6, "minute": 6, "second": 7}
